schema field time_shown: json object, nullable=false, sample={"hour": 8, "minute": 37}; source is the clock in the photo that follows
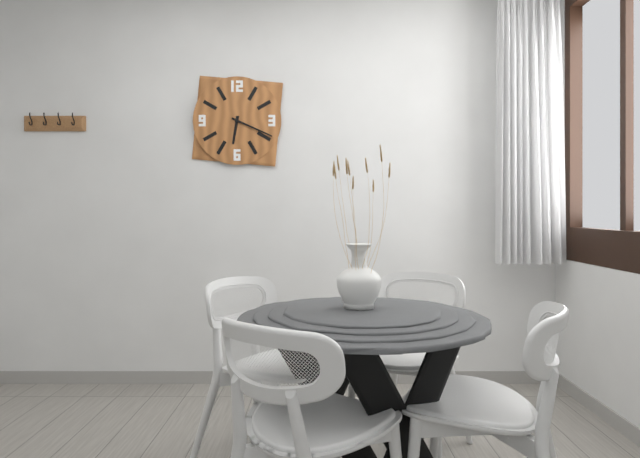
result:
{"hour": 6, "minute": 19}
